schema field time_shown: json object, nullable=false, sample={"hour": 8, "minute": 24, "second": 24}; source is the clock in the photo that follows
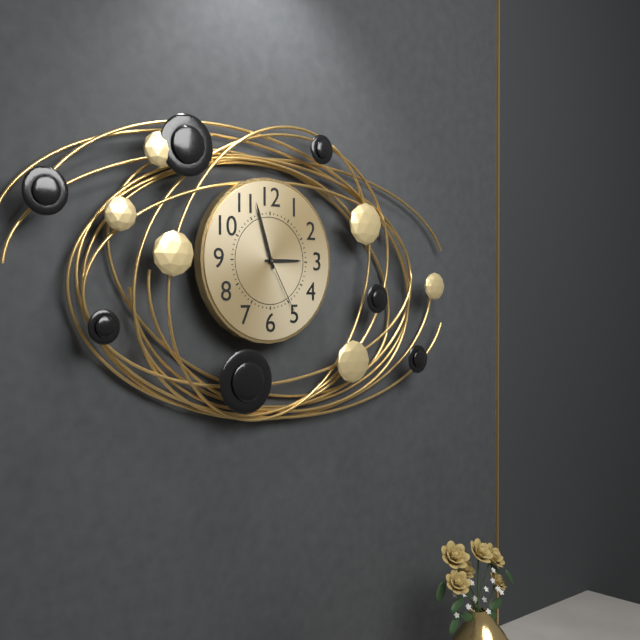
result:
{"hour": 2, "minute": 57, "second": 25}
